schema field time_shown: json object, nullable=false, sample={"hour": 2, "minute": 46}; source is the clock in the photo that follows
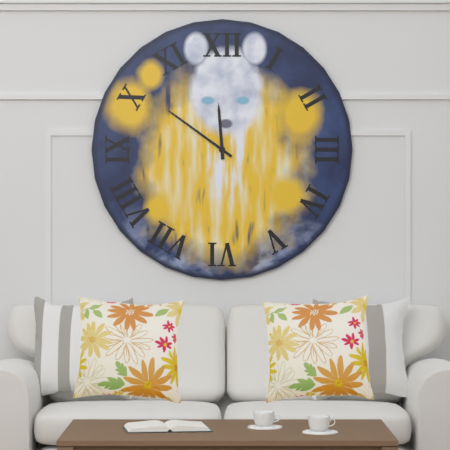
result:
{"hour": 11, "minute": 51}
